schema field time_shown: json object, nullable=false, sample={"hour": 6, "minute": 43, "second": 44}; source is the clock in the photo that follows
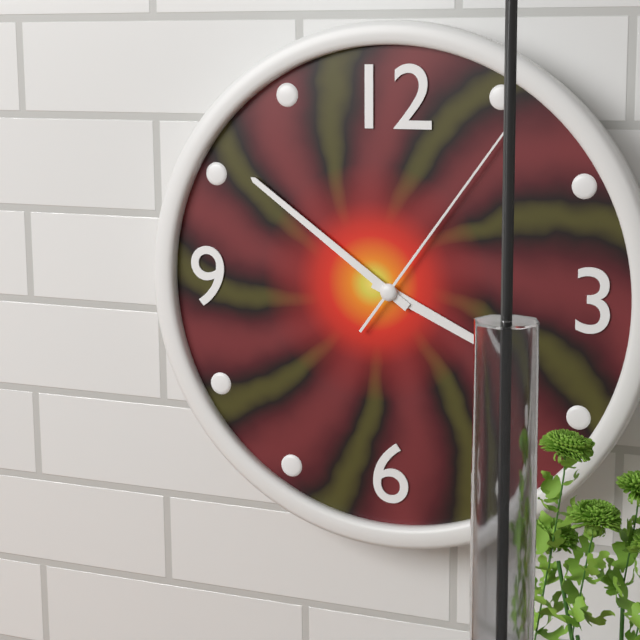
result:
{"hour": 3, "minute": 51, "second": 6}
